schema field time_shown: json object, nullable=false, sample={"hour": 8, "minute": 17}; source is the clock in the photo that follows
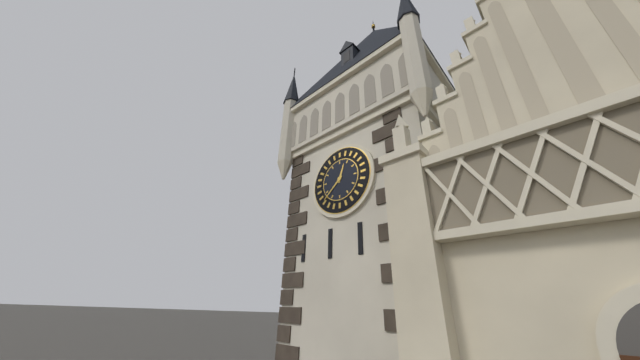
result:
{"hour": 12, "minute": 38}
